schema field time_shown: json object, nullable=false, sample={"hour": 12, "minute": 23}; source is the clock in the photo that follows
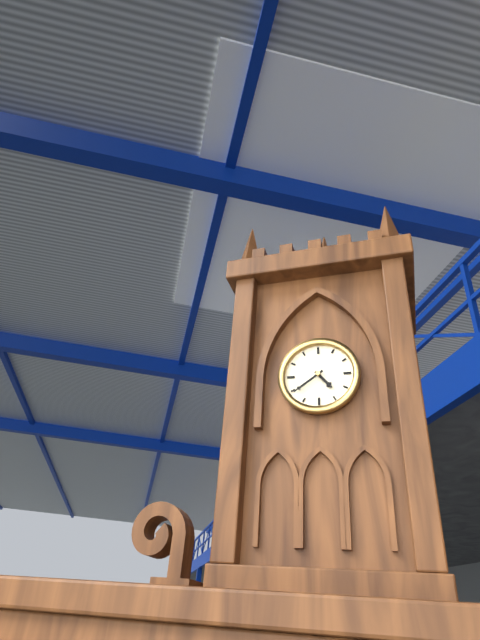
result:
{"hour": 4, "minute": 39}
